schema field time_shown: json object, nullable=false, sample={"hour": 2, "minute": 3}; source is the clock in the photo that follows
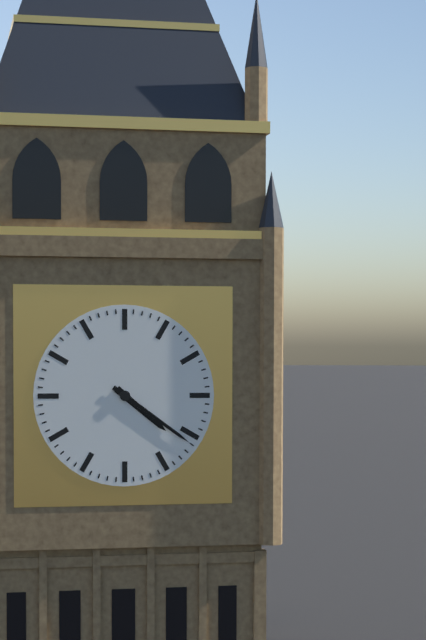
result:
{"hour": 4, "minute": 21}
